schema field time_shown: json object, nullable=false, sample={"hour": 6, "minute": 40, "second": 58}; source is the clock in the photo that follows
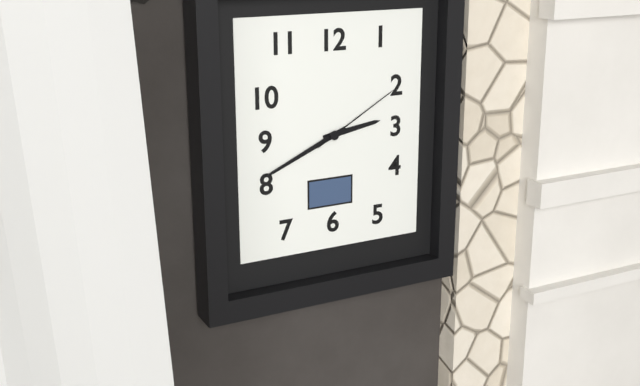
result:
{"hour": 2, "minute": 41, "second": 10}
